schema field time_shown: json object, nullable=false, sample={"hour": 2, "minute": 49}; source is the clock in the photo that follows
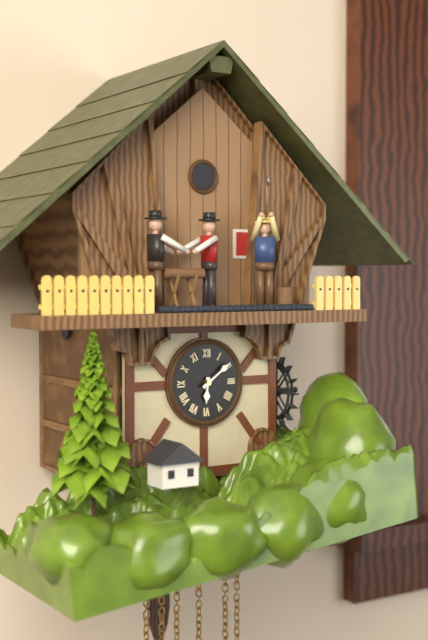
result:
{"hour": 6, "minute": 9}
